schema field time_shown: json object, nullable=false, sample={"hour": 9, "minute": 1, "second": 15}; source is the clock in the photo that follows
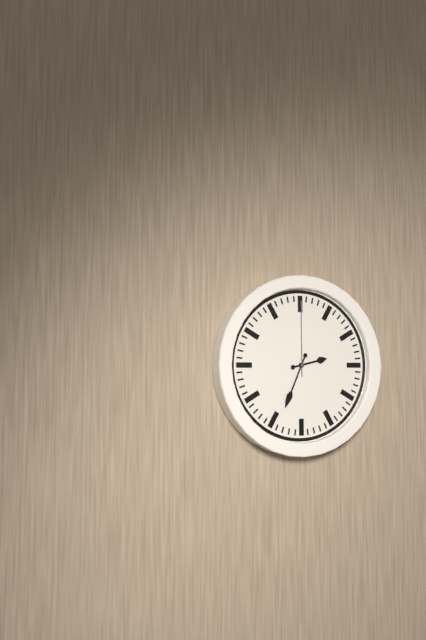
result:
{"hour": 2, "minute": 34, "second": 0}
